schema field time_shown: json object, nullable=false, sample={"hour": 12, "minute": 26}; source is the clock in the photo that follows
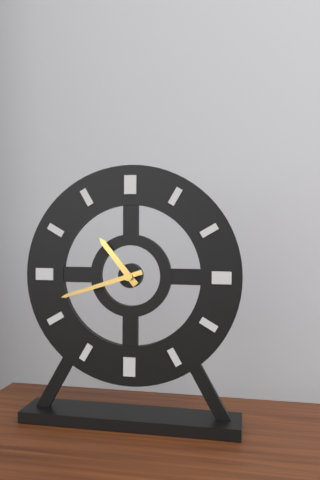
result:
{"hour": 10, "minute": 42}
